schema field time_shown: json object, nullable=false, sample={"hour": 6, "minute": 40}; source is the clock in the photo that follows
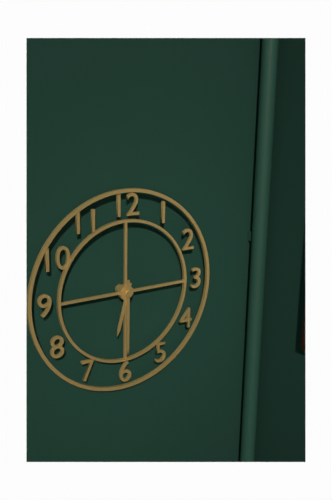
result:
{"hour": 6, "minute": 30}
